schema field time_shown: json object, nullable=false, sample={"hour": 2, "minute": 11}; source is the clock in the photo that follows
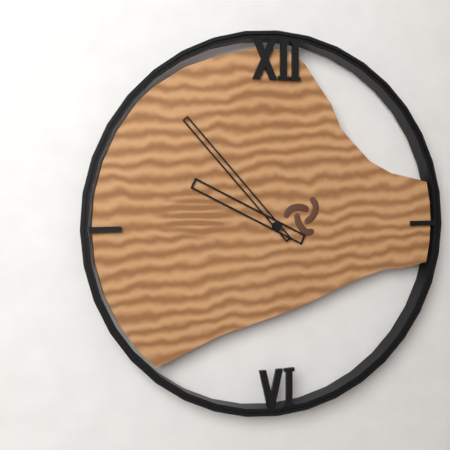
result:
{"hour": 9, "minute": 53}
